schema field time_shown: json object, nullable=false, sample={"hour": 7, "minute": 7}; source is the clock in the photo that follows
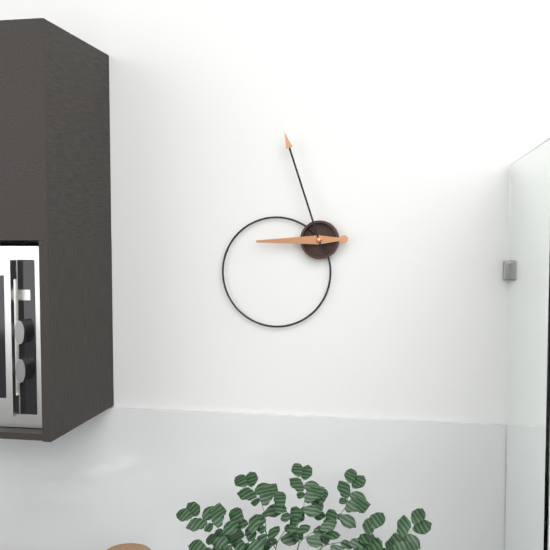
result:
{"hour": 8, "minute": 57}
